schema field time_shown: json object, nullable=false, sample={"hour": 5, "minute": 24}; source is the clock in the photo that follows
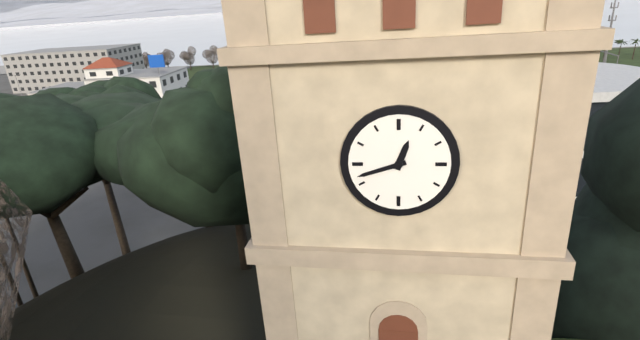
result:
{"hour": 12, "minute": 42}
